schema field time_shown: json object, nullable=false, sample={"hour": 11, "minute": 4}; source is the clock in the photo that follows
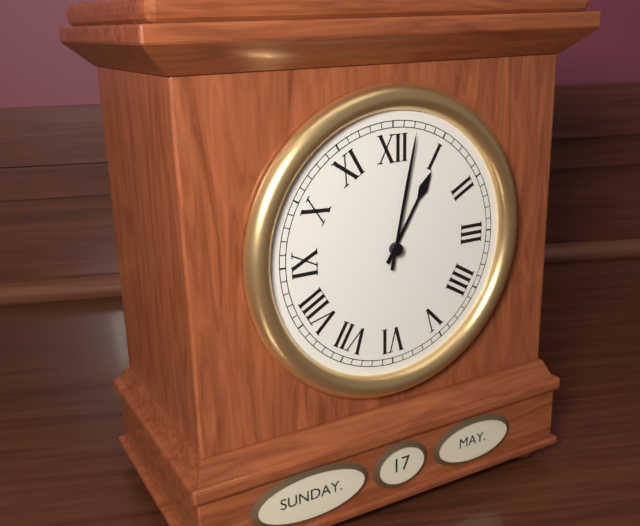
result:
{"hour": 1, "minute": 2}
